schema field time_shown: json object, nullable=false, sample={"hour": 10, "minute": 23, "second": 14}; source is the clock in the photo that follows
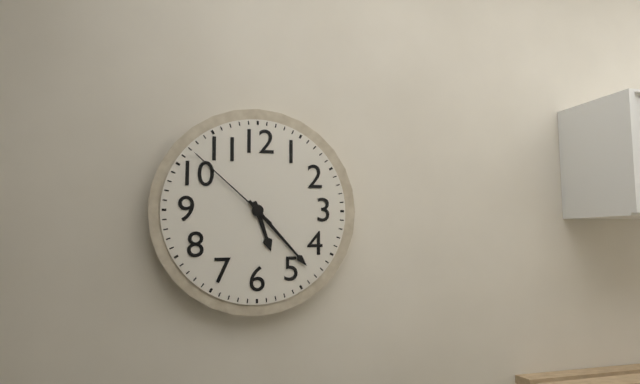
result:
{"hour": 5, "minute": 23, "second": 52}
